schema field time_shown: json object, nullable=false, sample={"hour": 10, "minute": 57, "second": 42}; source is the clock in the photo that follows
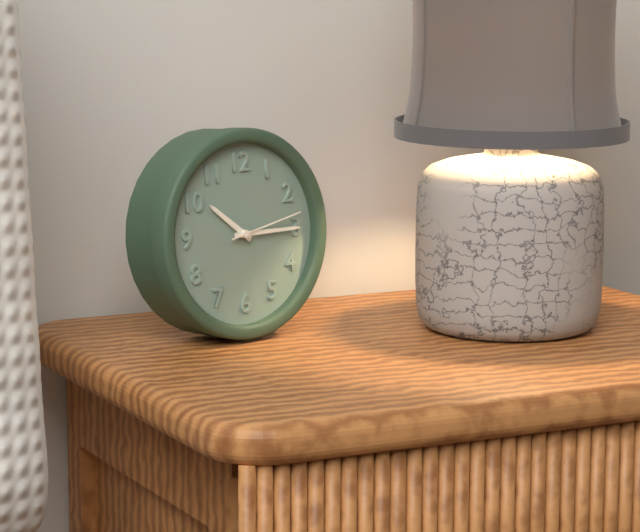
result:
{"hour": 10, "minute": 15, "second": 13}
